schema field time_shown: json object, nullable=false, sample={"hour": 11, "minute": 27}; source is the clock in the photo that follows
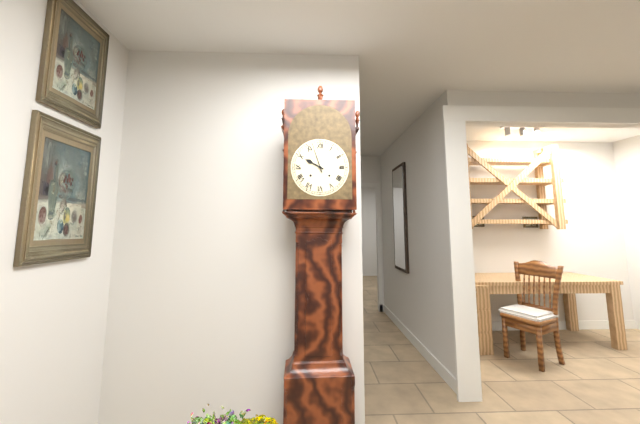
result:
{"hour": 9, "minute": 57}
